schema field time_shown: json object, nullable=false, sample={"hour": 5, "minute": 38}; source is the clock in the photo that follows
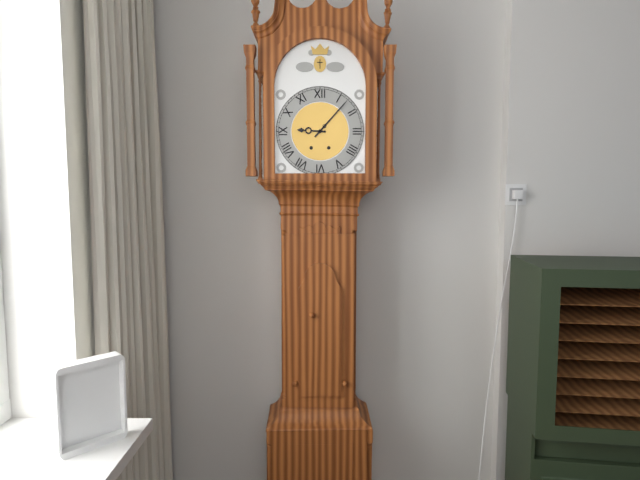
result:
{"hour": 9, "minute": 7}
